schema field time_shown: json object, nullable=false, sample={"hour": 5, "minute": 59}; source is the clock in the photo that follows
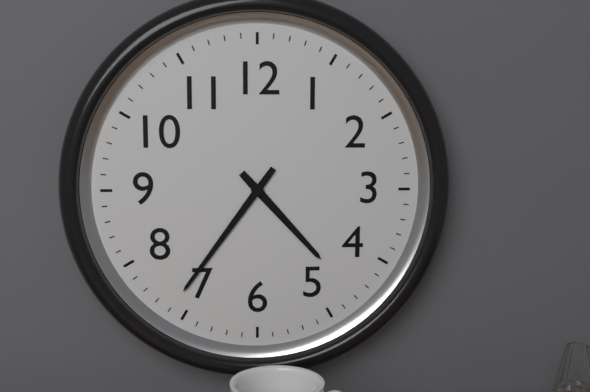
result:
{"hour": 4, "minute": 36}
